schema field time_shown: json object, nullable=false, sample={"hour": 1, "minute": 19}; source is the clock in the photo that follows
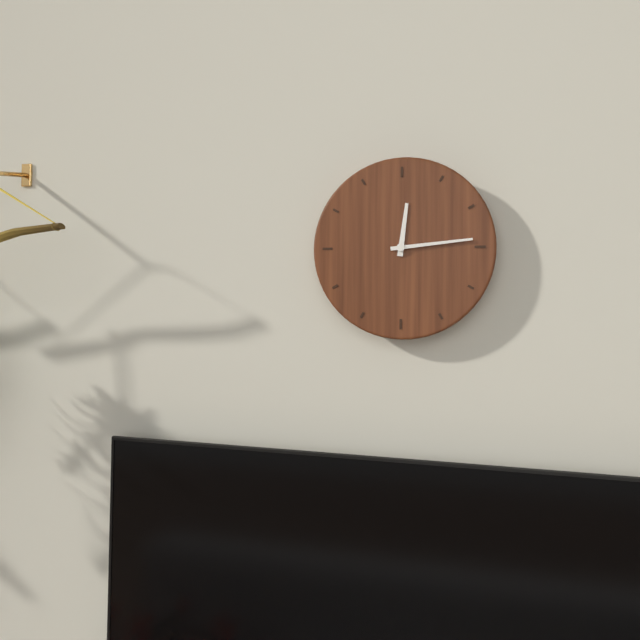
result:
{"hour": 12, "minute": 14}
